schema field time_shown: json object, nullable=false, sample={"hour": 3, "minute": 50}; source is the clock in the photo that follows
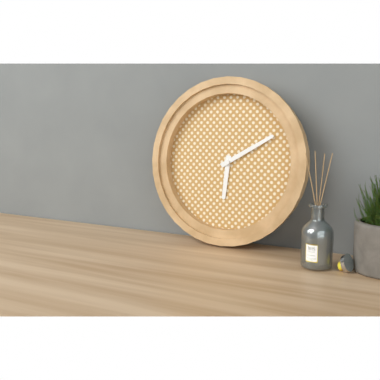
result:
{"hour": 6, "minute": 10}
